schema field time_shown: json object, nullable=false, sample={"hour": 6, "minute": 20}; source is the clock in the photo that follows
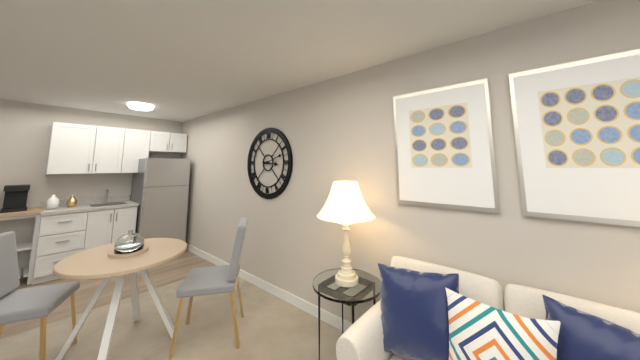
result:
{"hour": 3, "minute": 12}
